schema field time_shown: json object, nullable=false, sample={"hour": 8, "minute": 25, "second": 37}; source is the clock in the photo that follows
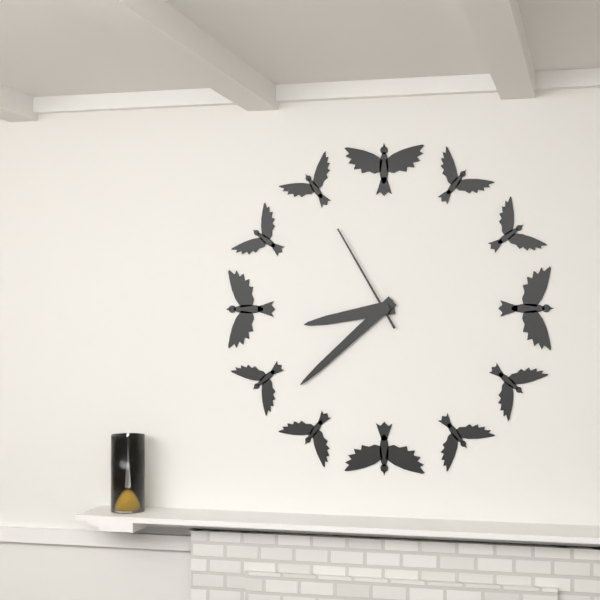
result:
{"hour": 8, "minute": 38, "second": 55}
